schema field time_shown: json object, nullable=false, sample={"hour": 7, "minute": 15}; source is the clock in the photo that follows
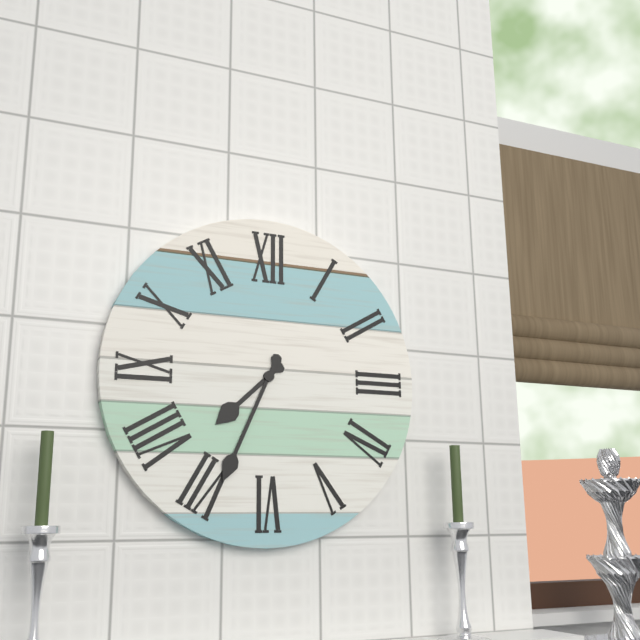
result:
{"hour": 7, "minute": 34}
